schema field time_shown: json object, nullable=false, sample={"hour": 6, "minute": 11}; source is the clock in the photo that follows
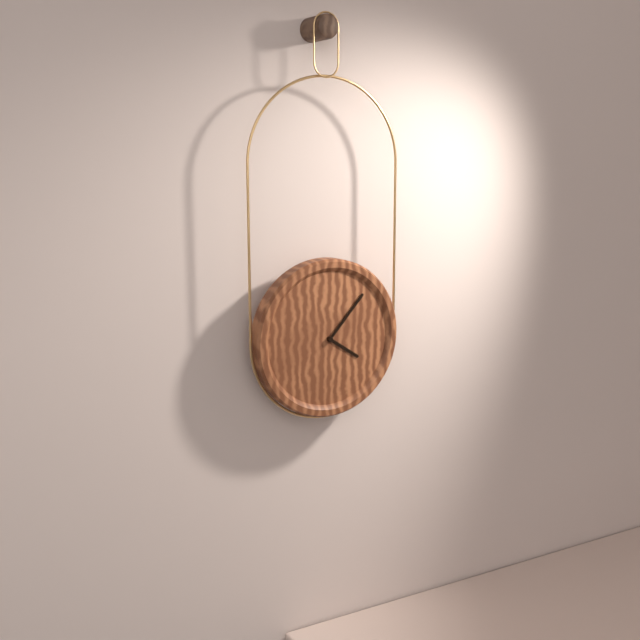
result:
{"hour": 4, "minute": 7}
